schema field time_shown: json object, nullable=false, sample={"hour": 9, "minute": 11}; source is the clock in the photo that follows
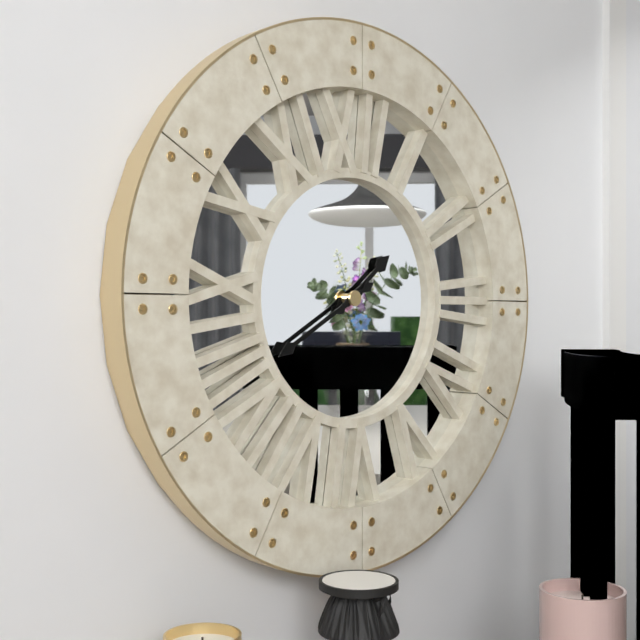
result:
{"hour": 1, "minute": 40}
